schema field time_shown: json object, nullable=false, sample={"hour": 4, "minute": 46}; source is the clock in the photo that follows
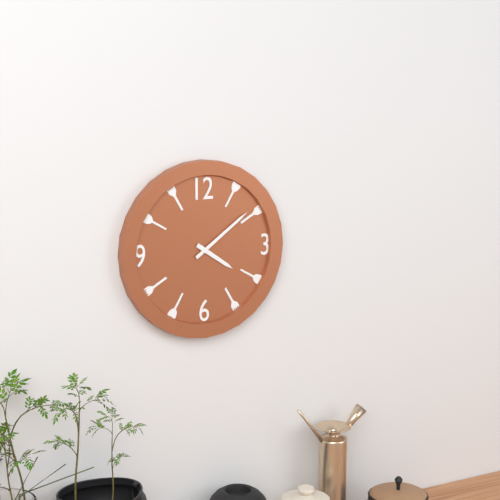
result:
{"hour": 4, "minute": 9}
